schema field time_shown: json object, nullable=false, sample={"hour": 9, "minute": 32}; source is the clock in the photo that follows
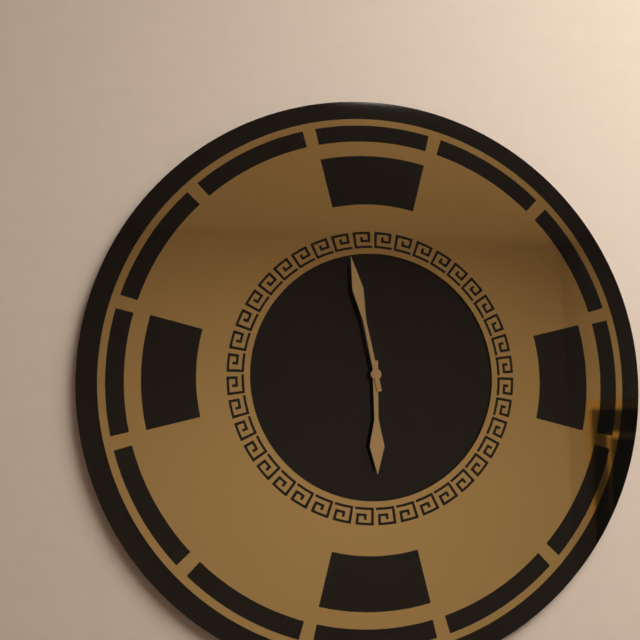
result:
{"hour": 5, "minute": 58}
